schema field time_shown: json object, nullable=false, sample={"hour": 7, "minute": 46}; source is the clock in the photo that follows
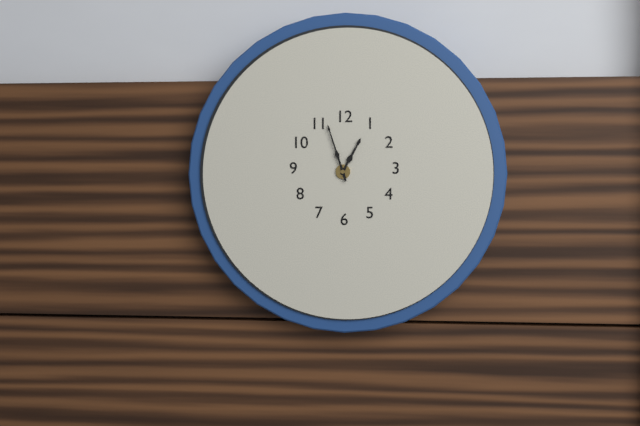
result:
{"hour": 12, "minute": 57}
